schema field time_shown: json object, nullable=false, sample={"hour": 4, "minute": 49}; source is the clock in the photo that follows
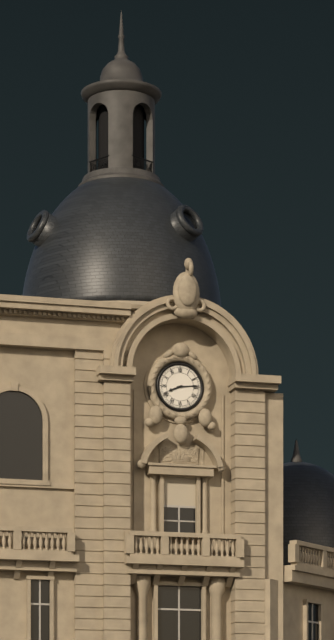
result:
{"hour": 8, "minute": 14}
